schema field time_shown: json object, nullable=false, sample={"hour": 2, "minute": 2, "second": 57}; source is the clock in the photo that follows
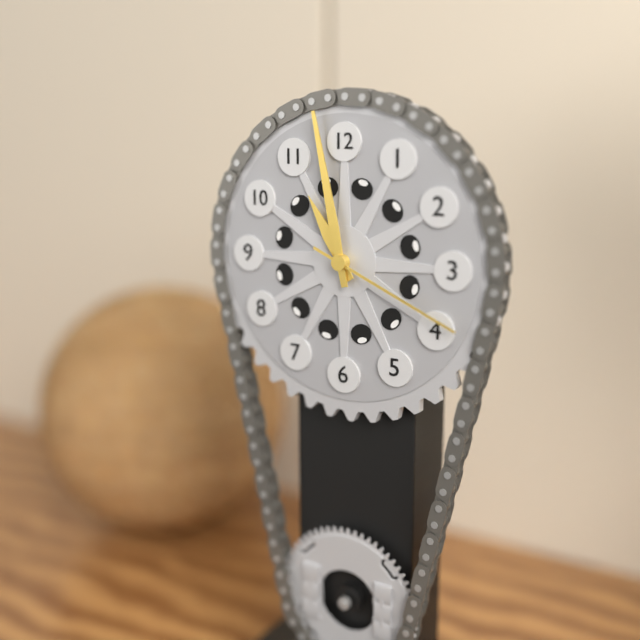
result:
{"hour": 10, "minute": 58, "second": 19}
